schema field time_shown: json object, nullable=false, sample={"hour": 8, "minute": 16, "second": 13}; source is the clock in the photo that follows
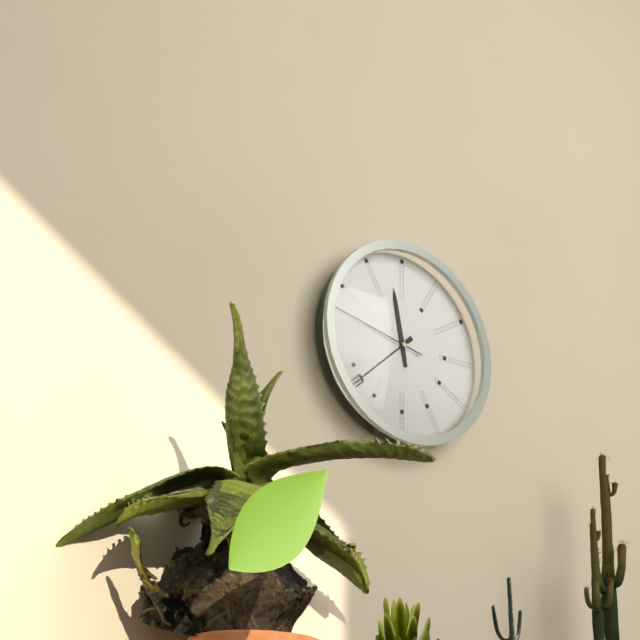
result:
{"hour": 11, "minute": 38, "second": 47}
